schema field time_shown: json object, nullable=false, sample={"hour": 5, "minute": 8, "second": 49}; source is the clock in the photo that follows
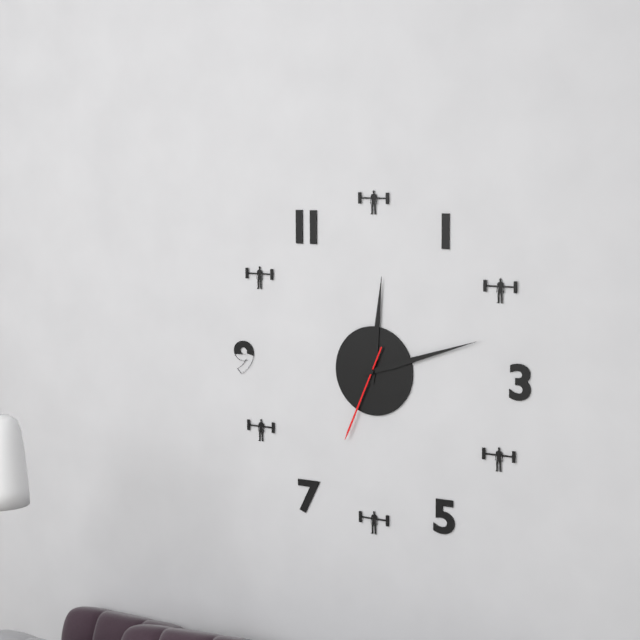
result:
{"hour": 12, "minute": 12, "second": 34}
